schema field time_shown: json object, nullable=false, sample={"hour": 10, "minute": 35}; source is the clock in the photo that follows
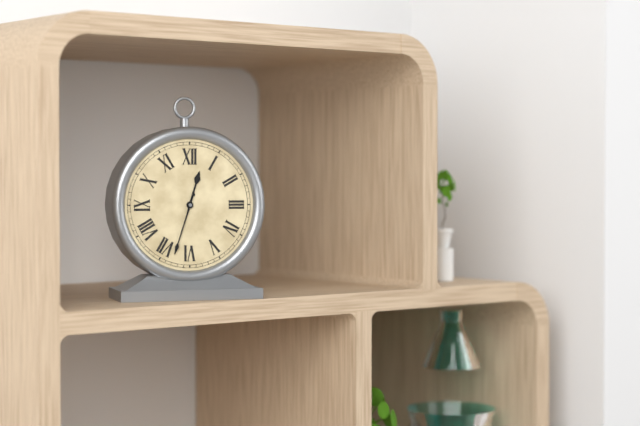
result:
{"hour": 12, "minute": 33}
